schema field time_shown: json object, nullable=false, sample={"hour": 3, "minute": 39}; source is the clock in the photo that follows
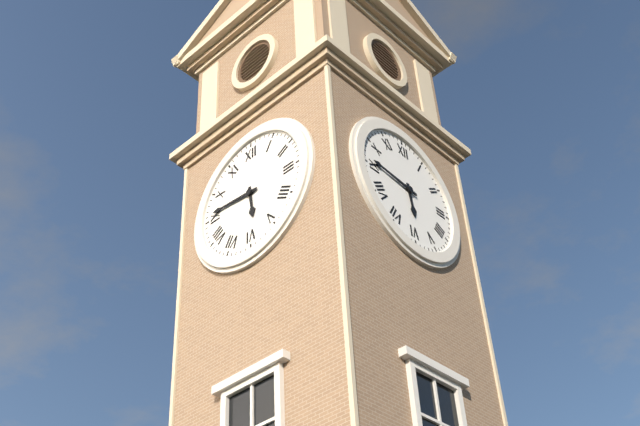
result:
{"hour": 5, "minute": 46}
